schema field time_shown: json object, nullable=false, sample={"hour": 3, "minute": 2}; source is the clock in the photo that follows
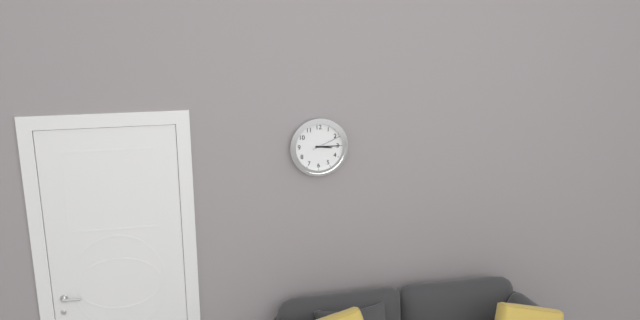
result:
{"hour": 3, "minute": 15}
